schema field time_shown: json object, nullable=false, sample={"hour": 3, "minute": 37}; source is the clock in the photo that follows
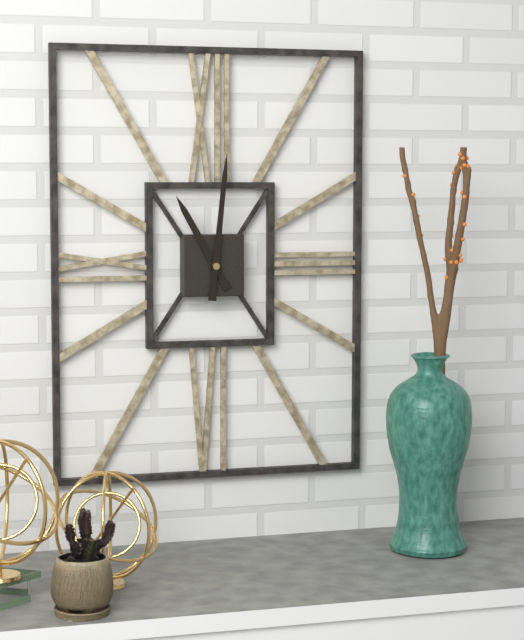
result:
{"hour": 11, "minute": 1}
